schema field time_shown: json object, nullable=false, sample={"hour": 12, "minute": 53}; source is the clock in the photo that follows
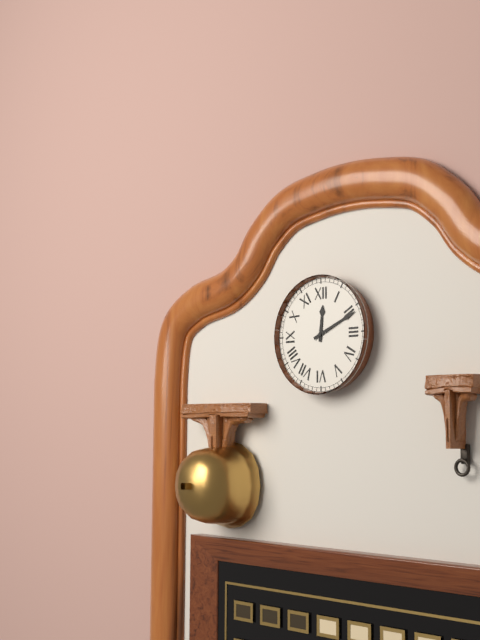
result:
{"hour": 12, "minute": 11}
